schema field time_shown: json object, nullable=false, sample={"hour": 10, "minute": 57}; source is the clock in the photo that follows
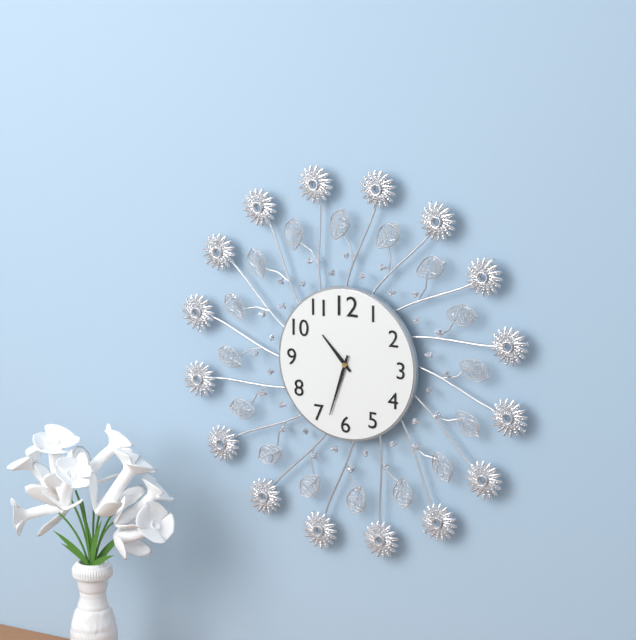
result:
{"hour": 10, "minute": 33}
